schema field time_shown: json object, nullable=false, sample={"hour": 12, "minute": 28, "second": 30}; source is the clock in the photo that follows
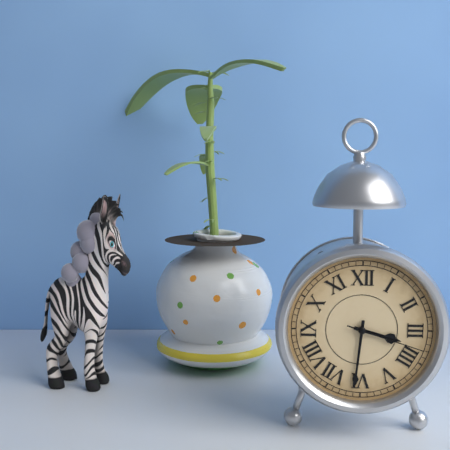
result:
{"hour": 3, "minute": 31, "second": 18}
